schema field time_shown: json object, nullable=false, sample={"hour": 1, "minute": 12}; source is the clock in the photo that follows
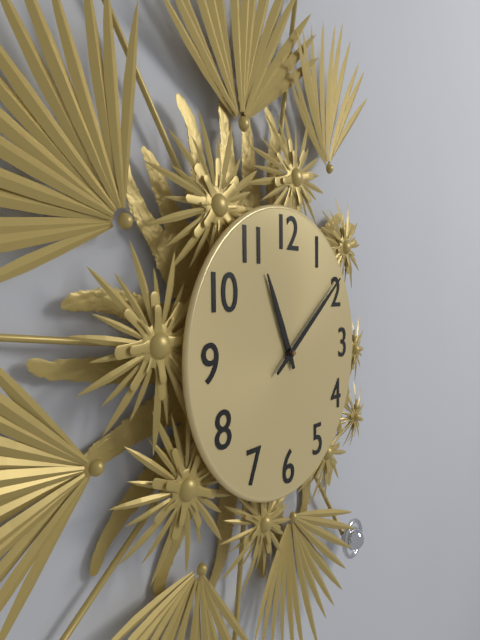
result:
{"hour": 11, "minute": 9}
